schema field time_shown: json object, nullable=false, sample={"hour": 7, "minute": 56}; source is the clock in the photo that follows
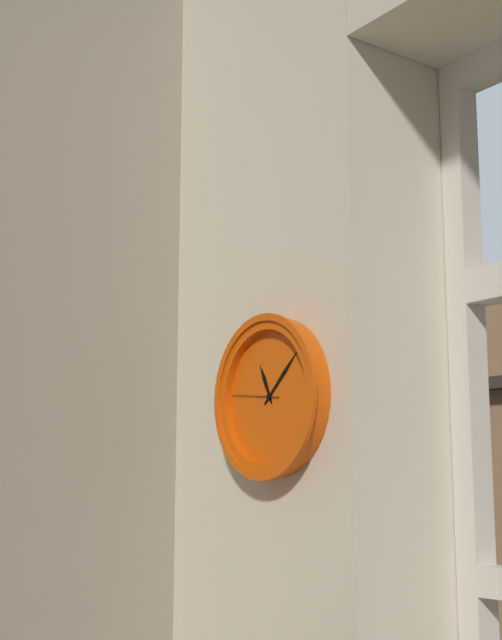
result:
{"hour": 11, "minute": 8}
